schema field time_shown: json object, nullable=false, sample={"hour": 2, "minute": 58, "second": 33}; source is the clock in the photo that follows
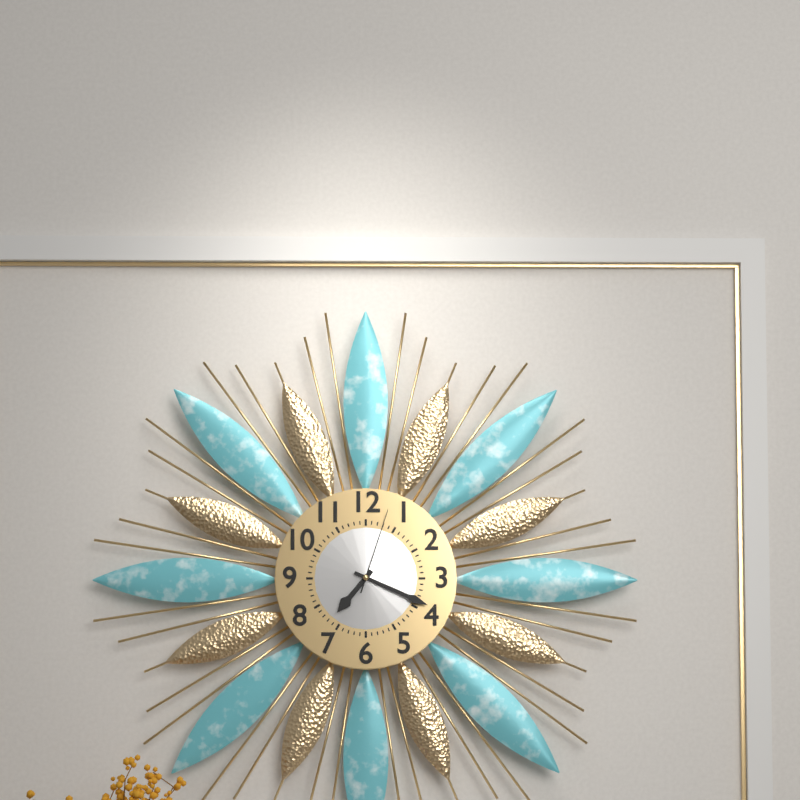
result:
{"hour": 7, "minute": 19, "second": 3}
